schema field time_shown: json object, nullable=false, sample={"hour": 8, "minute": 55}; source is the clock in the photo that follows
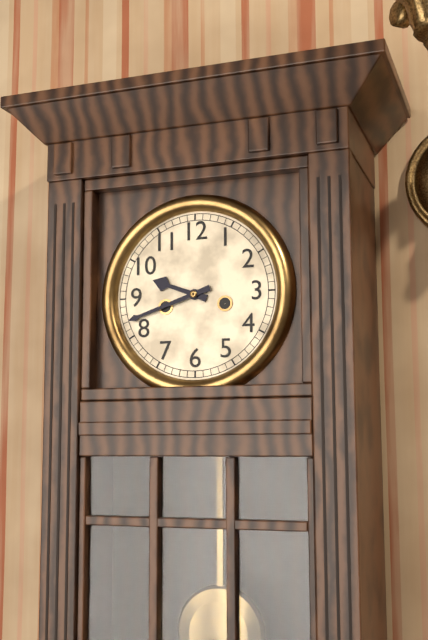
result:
{"hour": 9, "minute": 42}
